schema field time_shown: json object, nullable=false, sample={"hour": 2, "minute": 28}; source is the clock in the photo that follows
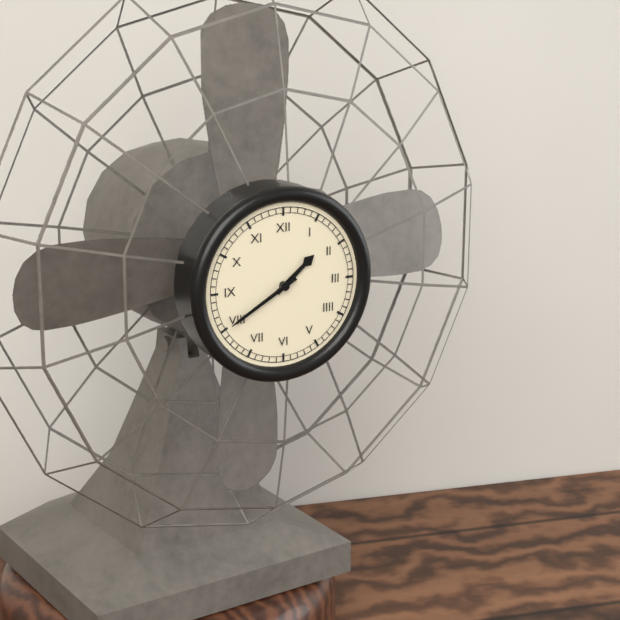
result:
{"hour": 1, "minute": 40}
